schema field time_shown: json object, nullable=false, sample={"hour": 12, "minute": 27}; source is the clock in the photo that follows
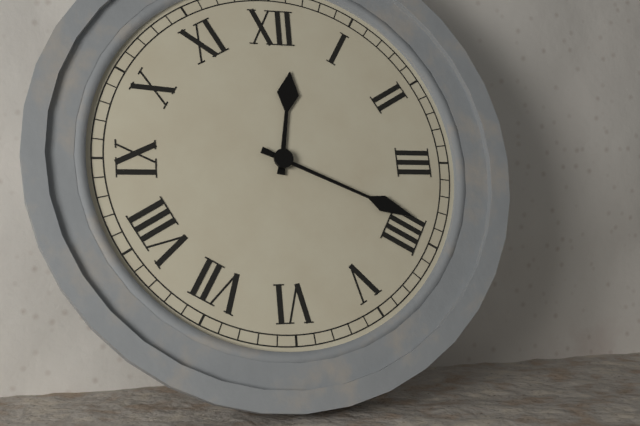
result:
{"hour": 12, "minute": 19}
